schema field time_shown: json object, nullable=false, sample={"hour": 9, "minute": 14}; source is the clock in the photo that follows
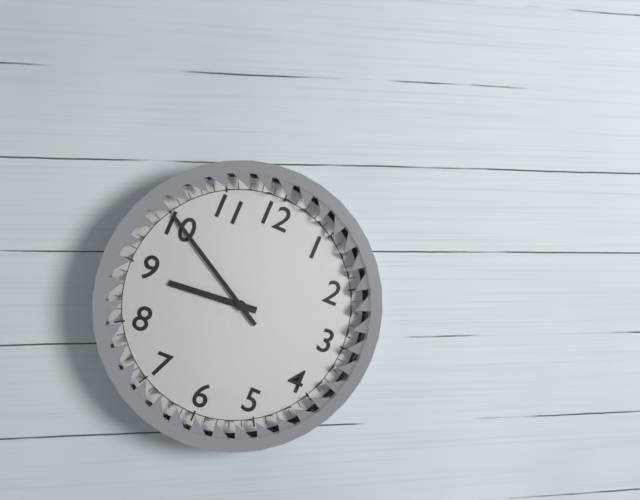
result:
{"hour": 8, "minute": 50}
